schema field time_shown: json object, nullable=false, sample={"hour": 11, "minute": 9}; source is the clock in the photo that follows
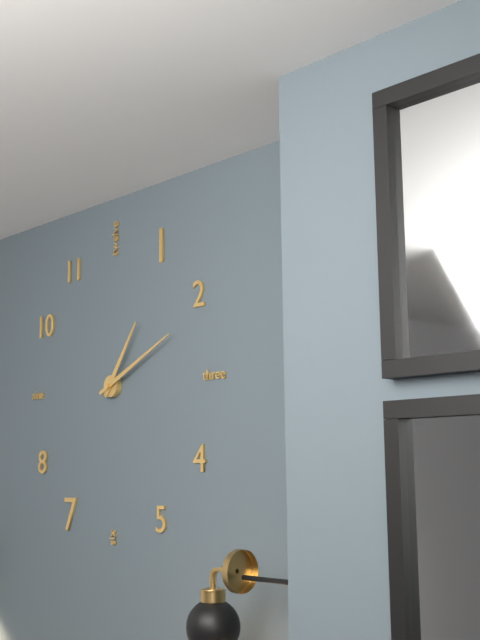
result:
{"hour": 1, "minute": 11}
